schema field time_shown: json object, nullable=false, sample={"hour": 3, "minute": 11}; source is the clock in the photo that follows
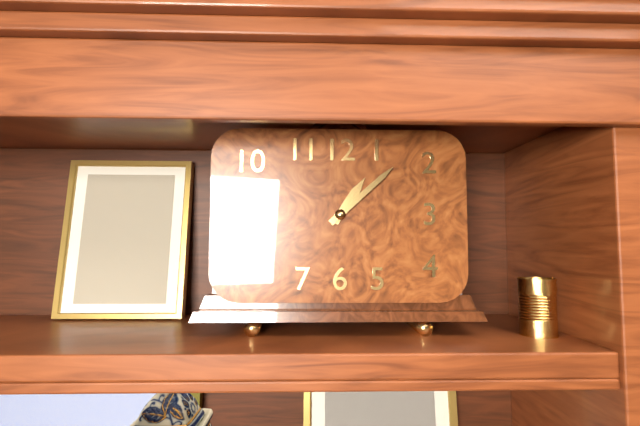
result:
{"hour": 1, "minute": 8}
